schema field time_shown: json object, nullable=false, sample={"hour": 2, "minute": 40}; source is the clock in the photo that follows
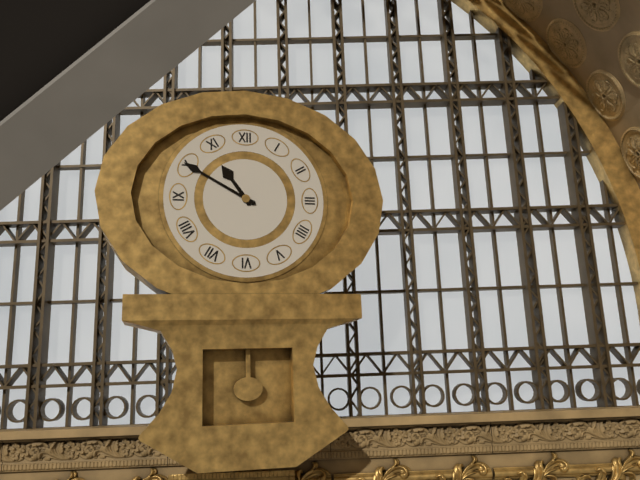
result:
{"hour": 10, "minute": 50}
